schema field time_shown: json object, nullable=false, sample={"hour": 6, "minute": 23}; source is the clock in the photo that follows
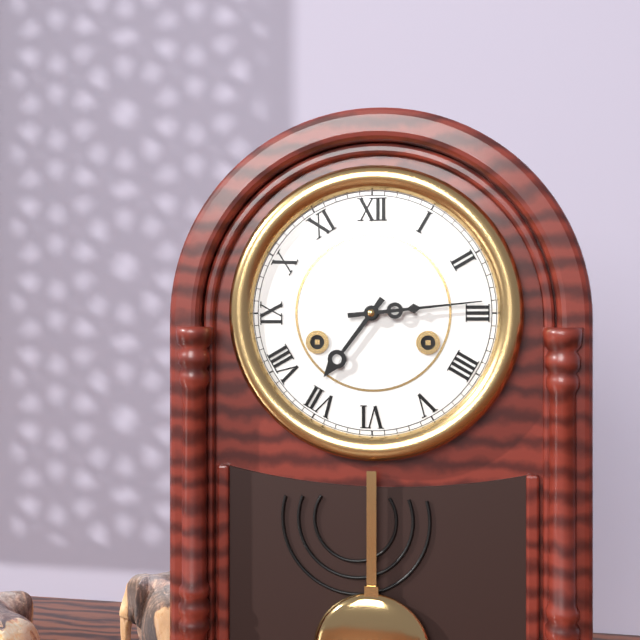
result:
{"hour": 7, "minute": 14}
